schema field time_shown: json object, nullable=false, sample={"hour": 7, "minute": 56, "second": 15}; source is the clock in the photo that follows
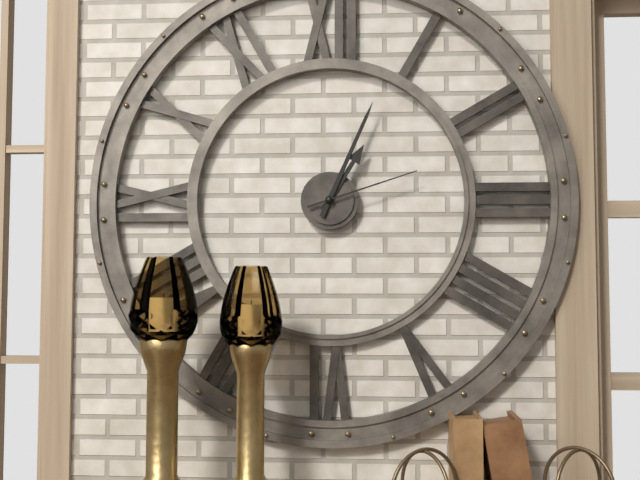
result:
{"hour": 1, "minute": 4, "second": 12}
